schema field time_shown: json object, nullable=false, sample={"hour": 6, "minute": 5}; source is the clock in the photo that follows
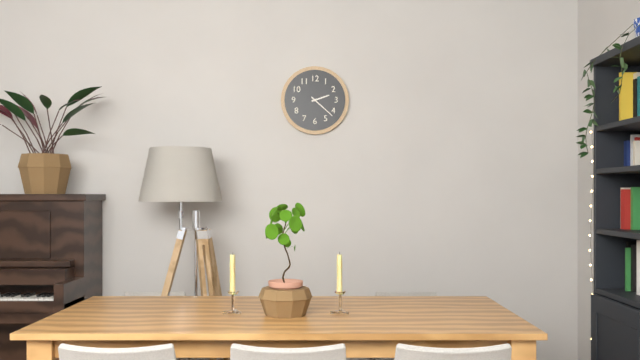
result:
{"hour": 2, "minute": 22}
